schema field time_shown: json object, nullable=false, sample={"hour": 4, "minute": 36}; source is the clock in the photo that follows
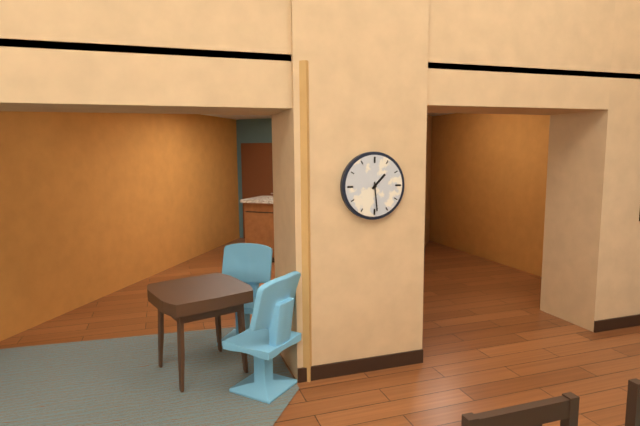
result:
{"hour": 1, "minute": 29}
